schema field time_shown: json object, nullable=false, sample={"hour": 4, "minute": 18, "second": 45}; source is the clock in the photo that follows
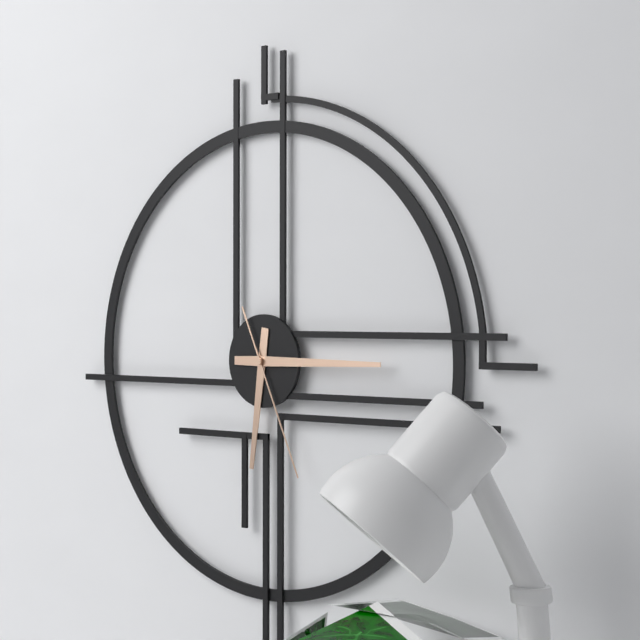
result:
{"hour": 6, "minute": 15, "second": 26}
